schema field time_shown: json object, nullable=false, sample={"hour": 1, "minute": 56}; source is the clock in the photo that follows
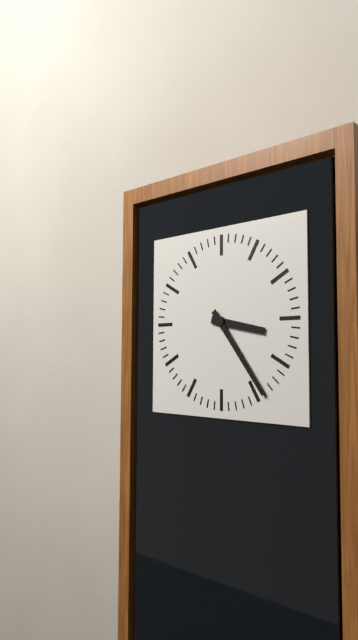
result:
{"hour": 3, "minute": 24}
